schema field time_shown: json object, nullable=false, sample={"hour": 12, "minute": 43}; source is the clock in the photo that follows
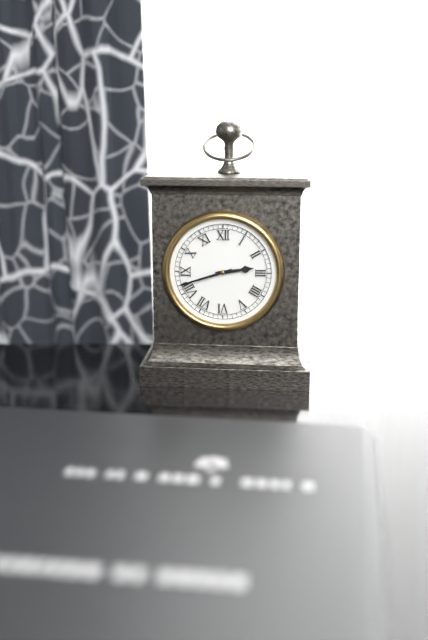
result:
{"hour": 2, "minute": 42}
